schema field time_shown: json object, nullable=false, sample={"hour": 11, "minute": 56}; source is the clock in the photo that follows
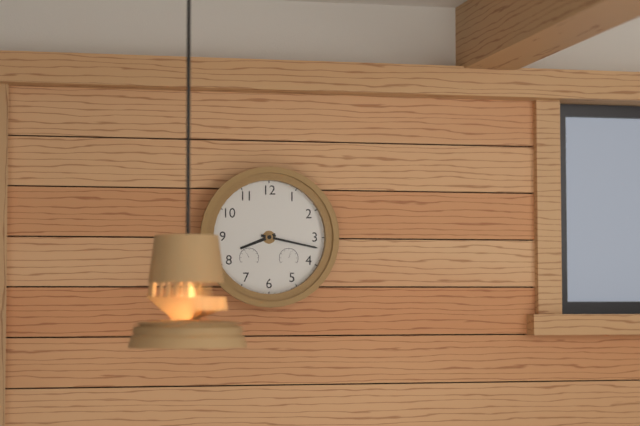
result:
{"hour": 8, "minute": 17}
